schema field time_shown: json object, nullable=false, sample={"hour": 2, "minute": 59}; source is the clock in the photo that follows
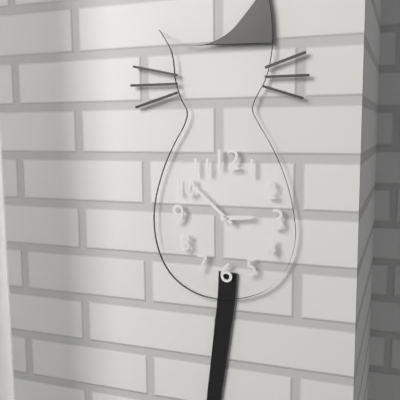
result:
{"hour": 2, "minute": 52}
